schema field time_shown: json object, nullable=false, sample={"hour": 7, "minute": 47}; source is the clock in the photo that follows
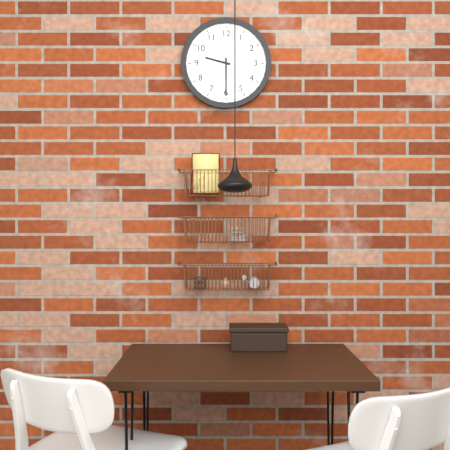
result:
{"hour": 9, "minute": 30}
